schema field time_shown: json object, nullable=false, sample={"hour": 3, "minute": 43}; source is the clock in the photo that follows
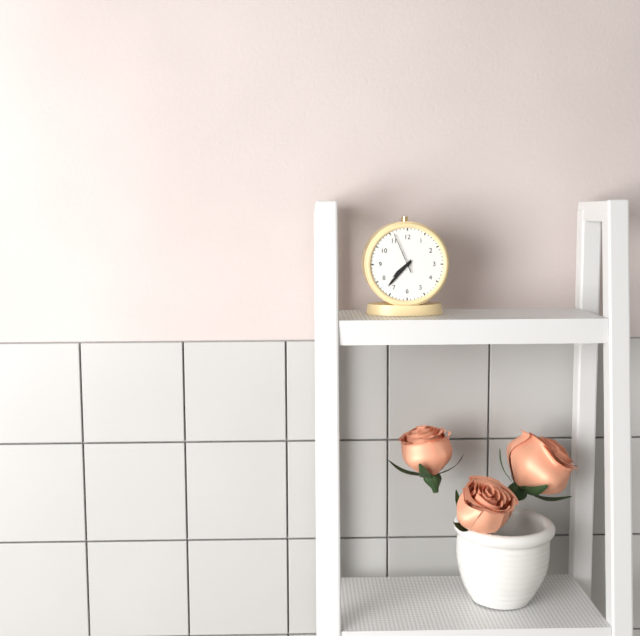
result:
{"hour": 7, "minute": 37}
